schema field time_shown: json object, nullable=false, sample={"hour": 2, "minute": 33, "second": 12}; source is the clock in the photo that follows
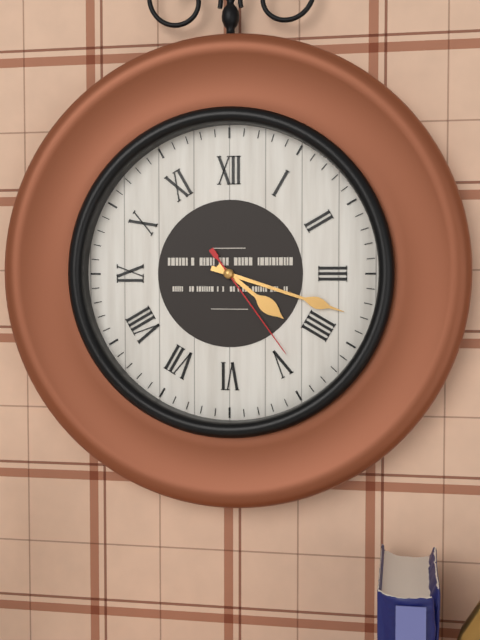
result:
{"hour": 4, "minute": 18, "second": 24}
